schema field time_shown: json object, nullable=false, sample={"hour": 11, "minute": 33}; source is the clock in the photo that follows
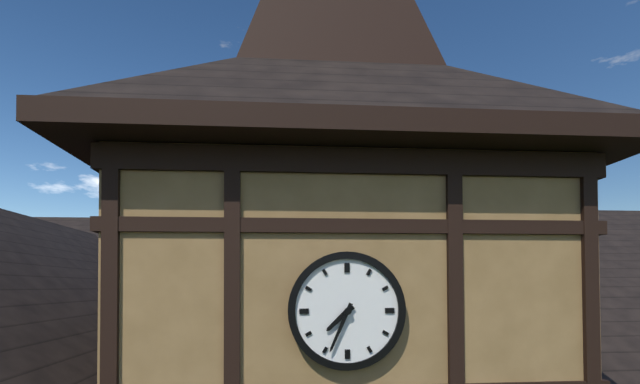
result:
{"hour": 7, "minute": 34}
